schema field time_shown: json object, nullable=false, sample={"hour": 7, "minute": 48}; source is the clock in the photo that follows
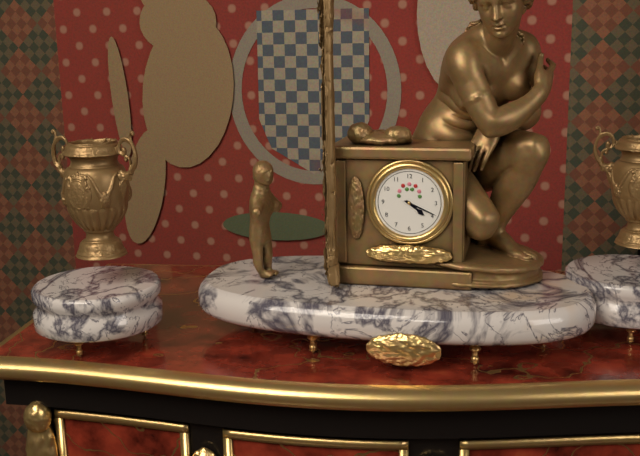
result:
{"hour": 4, "minute": 19}
